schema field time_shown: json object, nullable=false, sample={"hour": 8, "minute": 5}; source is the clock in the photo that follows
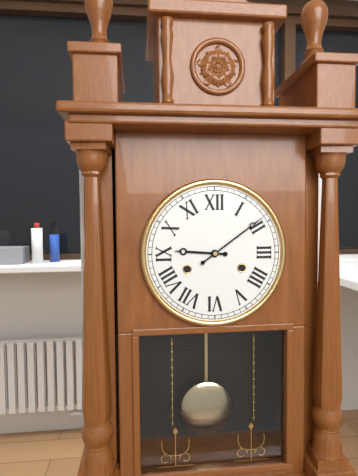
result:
{"hour": 9, "minute": 9}
